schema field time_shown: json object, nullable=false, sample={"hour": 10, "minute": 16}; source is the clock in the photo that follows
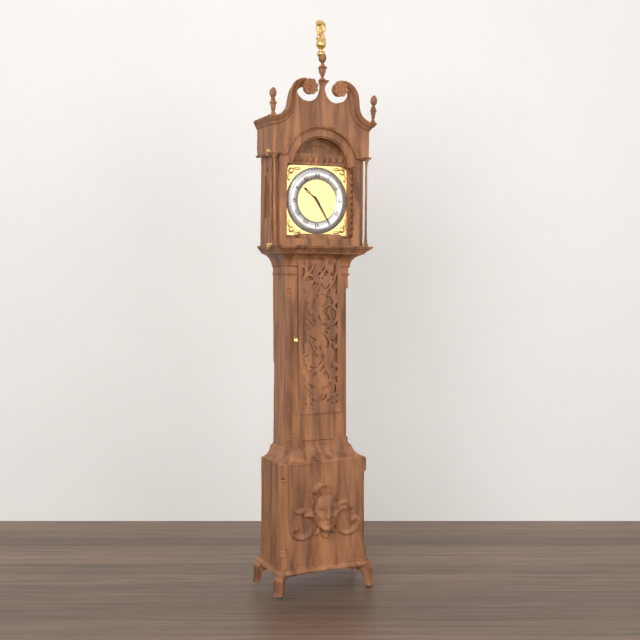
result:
{"hour": 10, "minute": 25}
